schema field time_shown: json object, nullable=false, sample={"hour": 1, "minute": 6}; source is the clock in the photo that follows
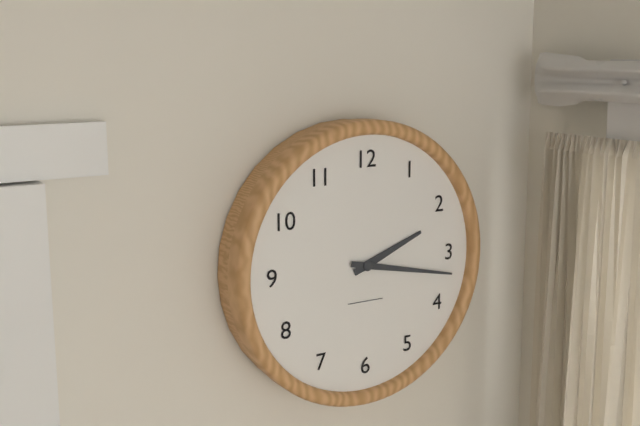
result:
{"hour": 2, "minute": 17}
